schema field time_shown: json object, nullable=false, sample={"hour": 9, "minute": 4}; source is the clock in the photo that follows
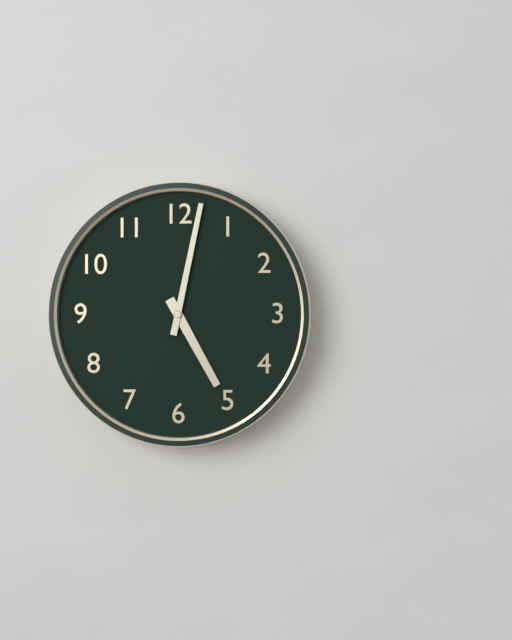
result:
{"hour": 5, "minute": 2}
